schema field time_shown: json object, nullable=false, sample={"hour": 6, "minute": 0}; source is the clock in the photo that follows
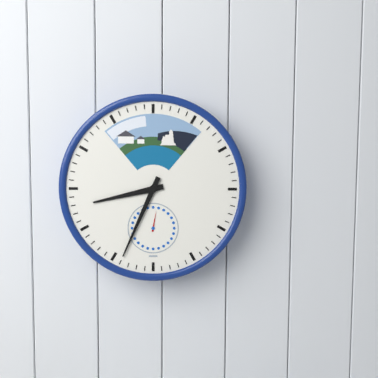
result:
{"hour": 8, "minute": 34}
